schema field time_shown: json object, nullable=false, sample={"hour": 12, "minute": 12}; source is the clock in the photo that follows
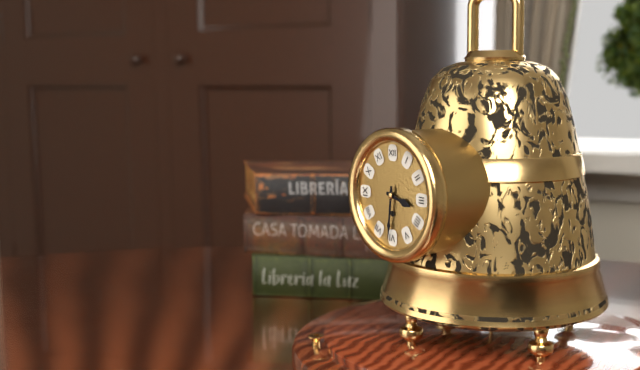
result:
{"hour": 3, "minute": 31}
